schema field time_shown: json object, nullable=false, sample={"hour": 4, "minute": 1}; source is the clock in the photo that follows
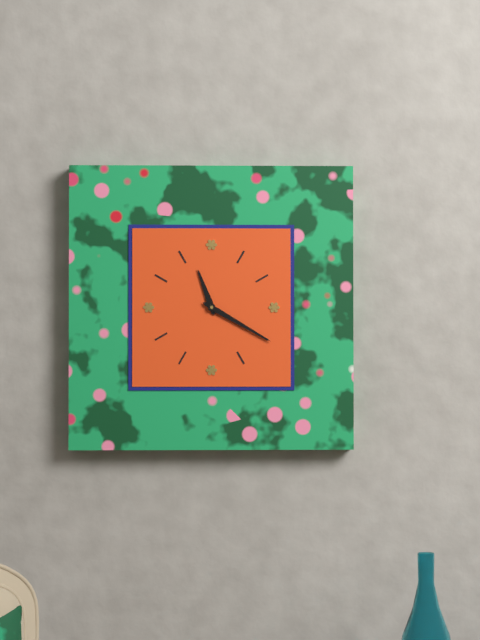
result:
{"hour": 11, "minute": 20}
